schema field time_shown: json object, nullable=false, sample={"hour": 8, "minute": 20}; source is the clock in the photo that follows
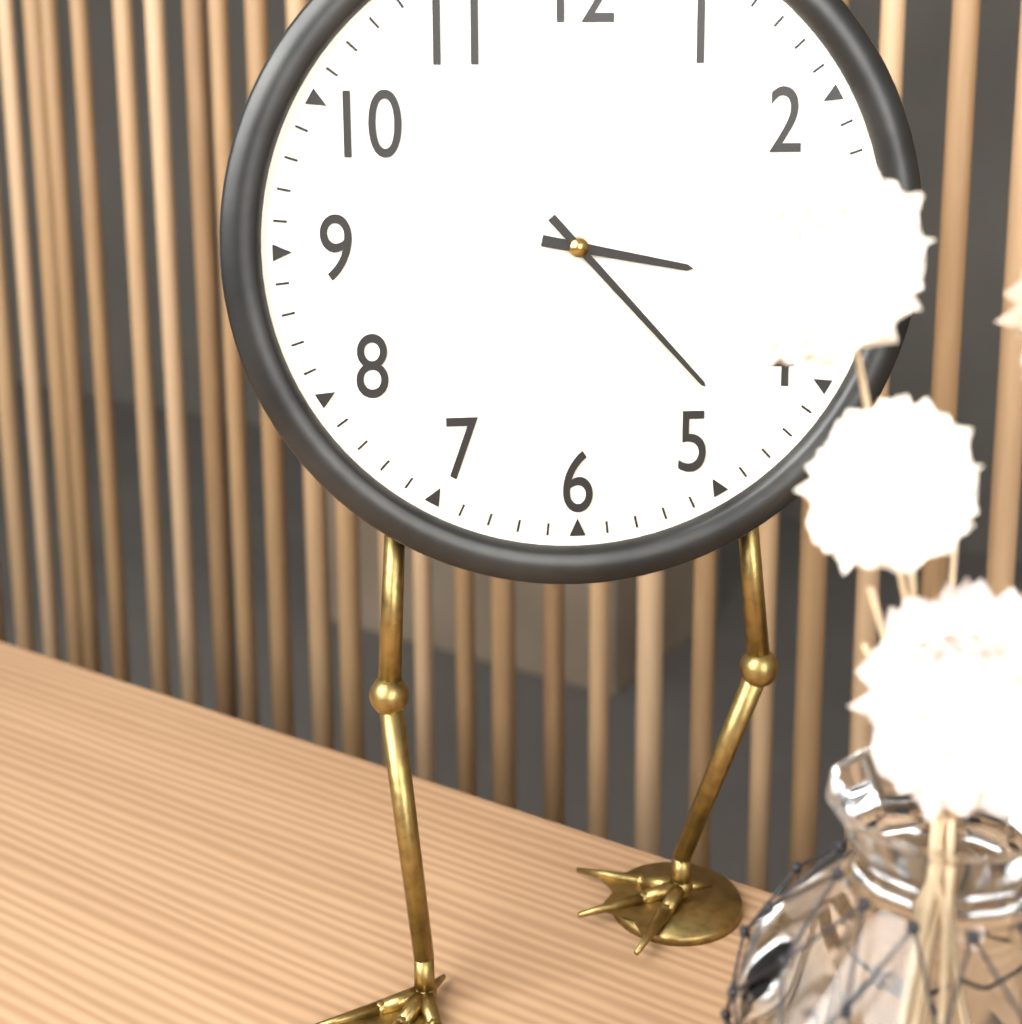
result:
{"hour": 3, "minute": 23}
